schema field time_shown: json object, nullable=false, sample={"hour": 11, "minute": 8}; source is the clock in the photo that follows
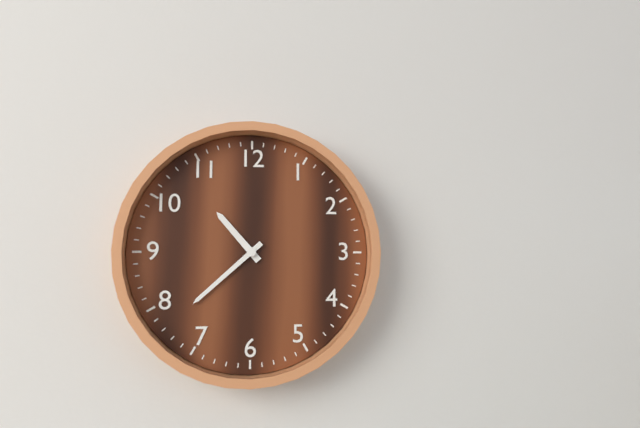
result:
{"hour": 10, "minute": 38}
